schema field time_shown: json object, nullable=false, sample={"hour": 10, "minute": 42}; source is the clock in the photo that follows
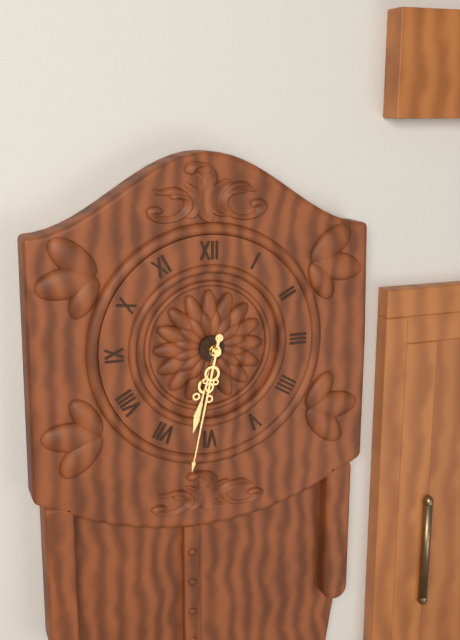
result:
{"hour": 6, "minute": 32}
